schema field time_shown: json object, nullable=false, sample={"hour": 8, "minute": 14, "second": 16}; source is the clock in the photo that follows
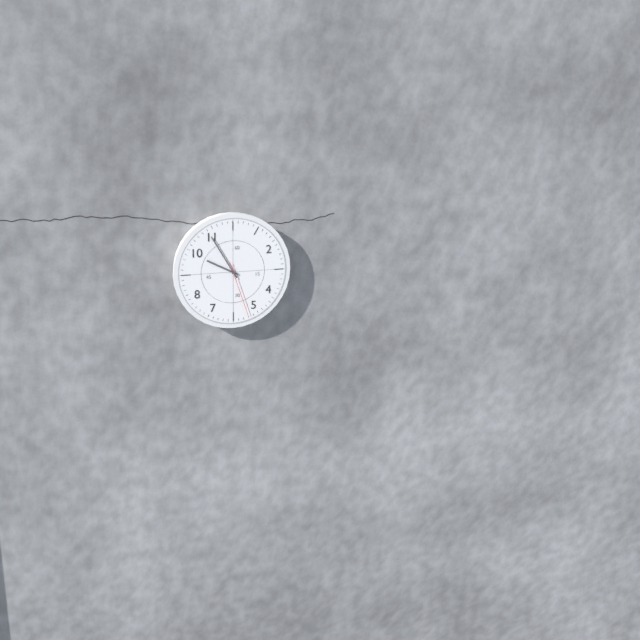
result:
{"hour": 9, "minute": 55, "second": 27}
